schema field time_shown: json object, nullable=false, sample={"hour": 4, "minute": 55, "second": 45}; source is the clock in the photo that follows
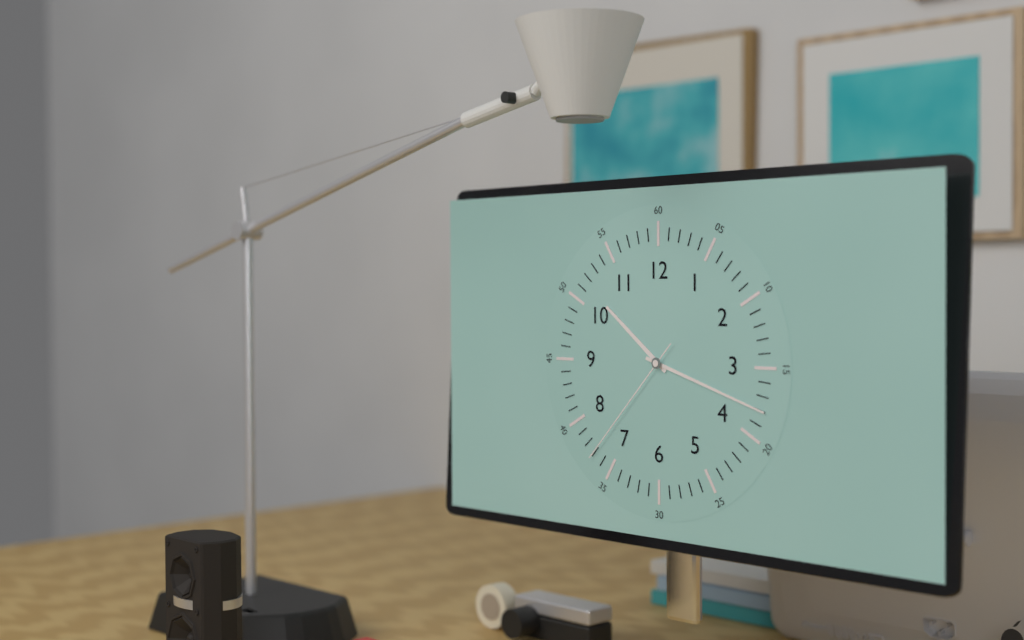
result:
{"hour": 10, "minute": 18, "second": 37}
